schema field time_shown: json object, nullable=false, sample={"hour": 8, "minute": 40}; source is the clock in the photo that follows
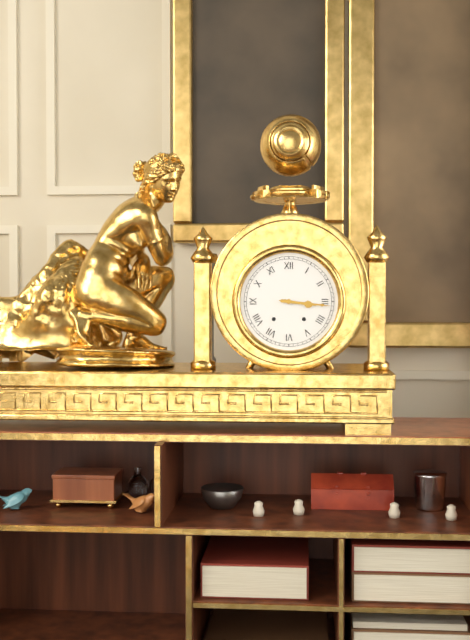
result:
{"hour": 3, "minute": 16}
